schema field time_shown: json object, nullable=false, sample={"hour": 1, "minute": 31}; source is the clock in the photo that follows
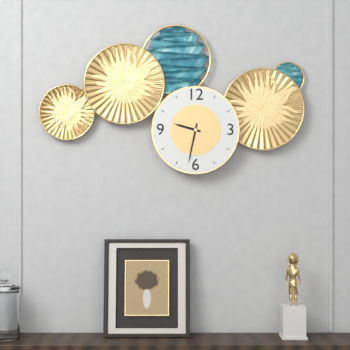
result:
{"hour": 9, "minute": 32}
